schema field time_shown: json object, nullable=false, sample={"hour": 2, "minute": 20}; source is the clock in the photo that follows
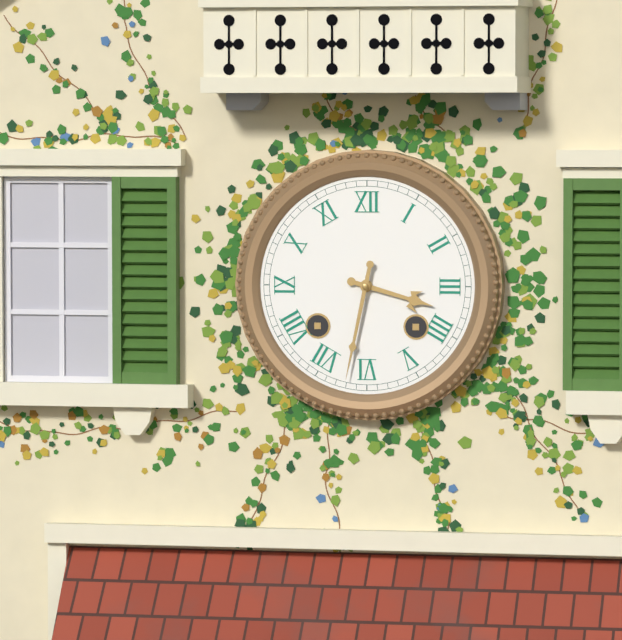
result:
{"hour": 3, "minute": 32}
